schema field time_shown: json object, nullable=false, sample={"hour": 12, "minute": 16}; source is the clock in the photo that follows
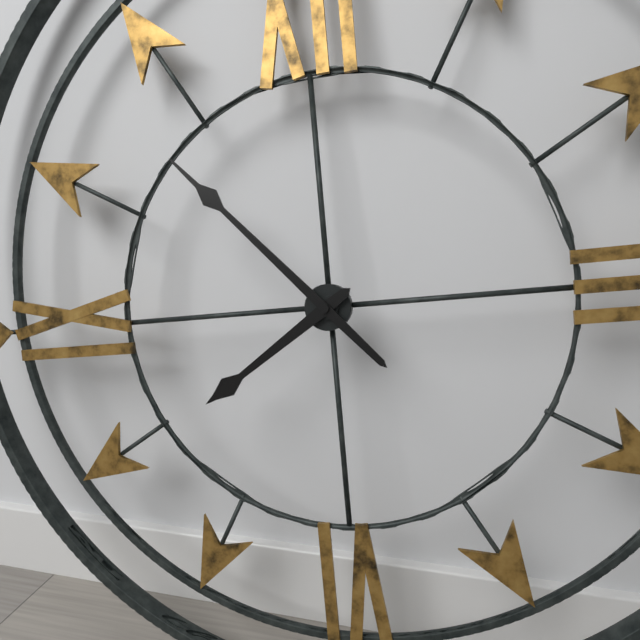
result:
{"hour": 7, "minute": 53}
